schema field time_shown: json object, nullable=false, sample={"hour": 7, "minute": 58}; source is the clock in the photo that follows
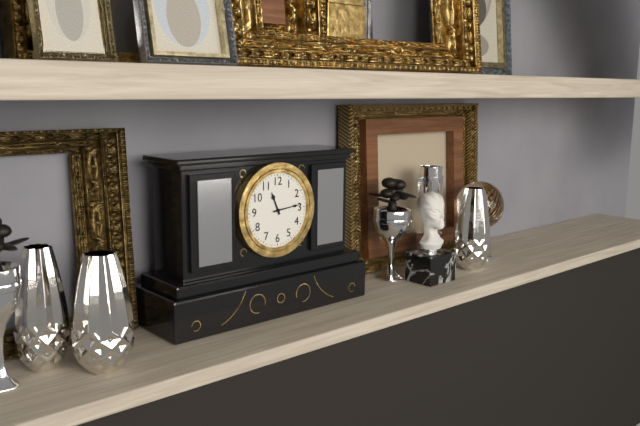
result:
{"hour": 11, "minute": 14}
